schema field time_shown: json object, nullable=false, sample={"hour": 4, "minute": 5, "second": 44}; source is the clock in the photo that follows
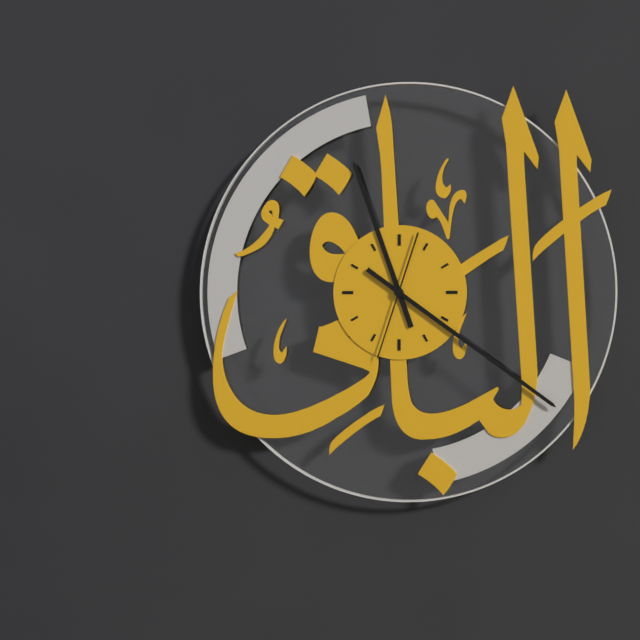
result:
{"hour": 11, "minute": 21, "second": 33}
